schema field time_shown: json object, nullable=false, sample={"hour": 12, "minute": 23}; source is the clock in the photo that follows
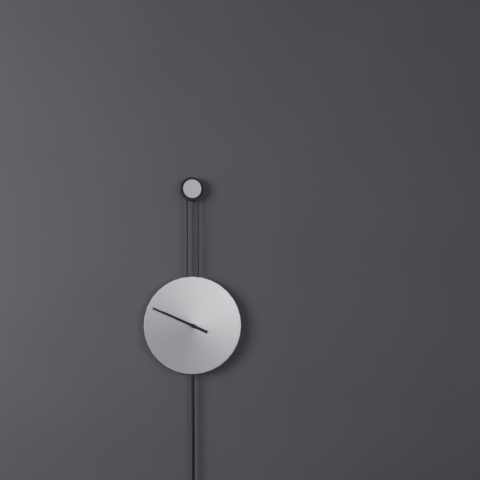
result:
{"hour": 9, "minute": 49}
